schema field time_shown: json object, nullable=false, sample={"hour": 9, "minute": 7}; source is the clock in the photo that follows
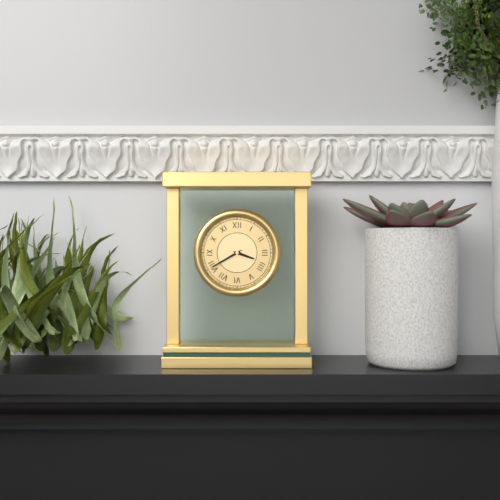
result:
{"hour": 3, "minute": 40}
